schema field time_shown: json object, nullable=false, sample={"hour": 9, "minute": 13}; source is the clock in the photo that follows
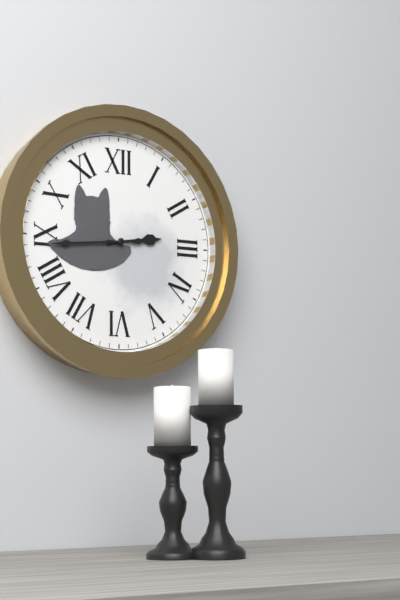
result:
{"hour": 2, "minute": 44}
